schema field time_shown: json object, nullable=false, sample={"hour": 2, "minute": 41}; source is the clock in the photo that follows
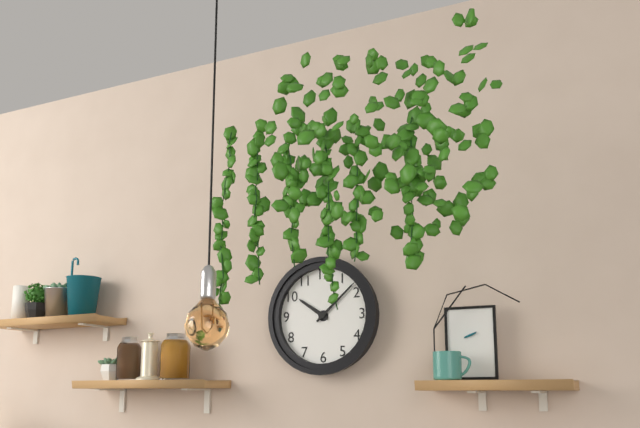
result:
{"hour": 10, "minute": 8}
